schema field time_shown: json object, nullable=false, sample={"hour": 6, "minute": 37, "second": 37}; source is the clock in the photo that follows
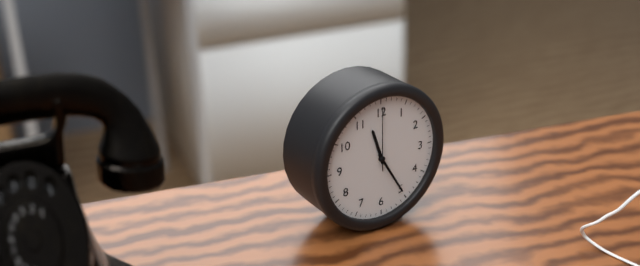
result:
{"hour": 11, "minute": 25, "second": 0}
